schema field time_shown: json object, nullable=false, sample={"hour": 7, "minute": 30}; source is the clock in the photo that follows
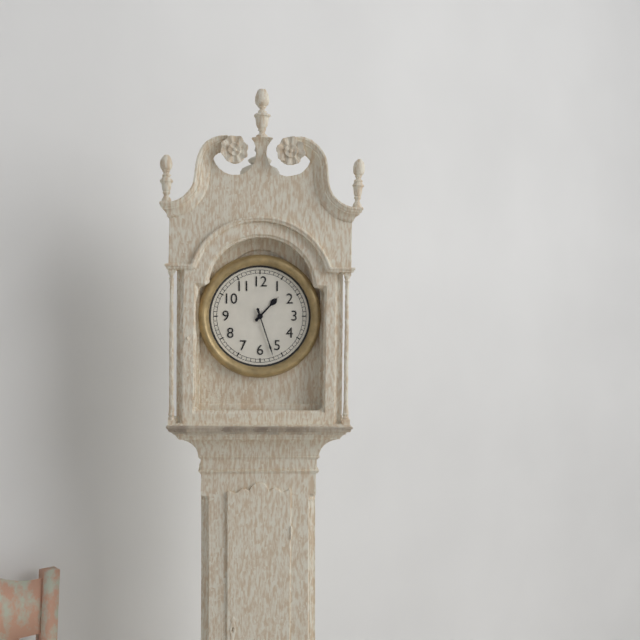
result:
{"hour": 1, "minute": 27}
